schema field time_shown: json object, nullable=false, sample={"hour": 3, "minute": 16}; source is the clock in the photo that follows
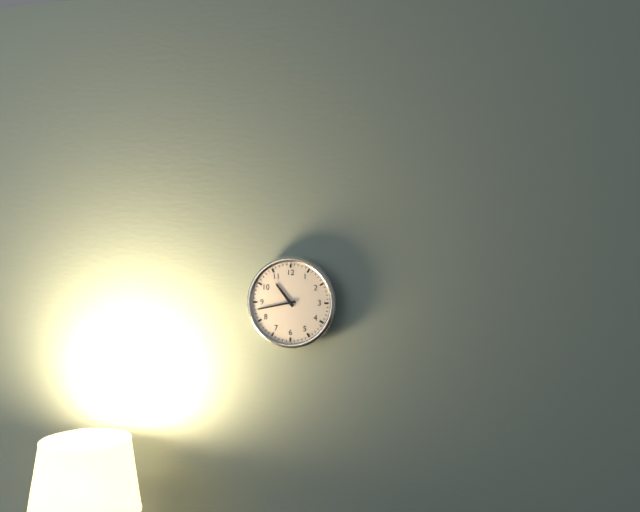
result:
{"hour": 10, "minute": 43}
